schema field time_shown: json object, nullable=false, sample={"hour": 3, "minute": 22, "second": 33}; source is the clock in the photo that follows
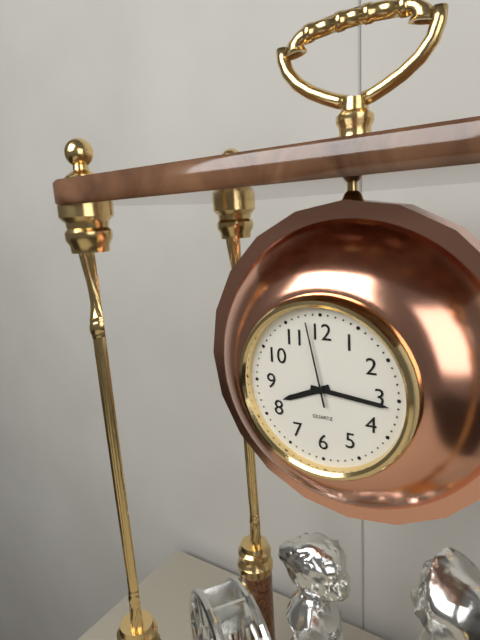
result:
{"hour": 8, "minute": 16, "second": 58}
